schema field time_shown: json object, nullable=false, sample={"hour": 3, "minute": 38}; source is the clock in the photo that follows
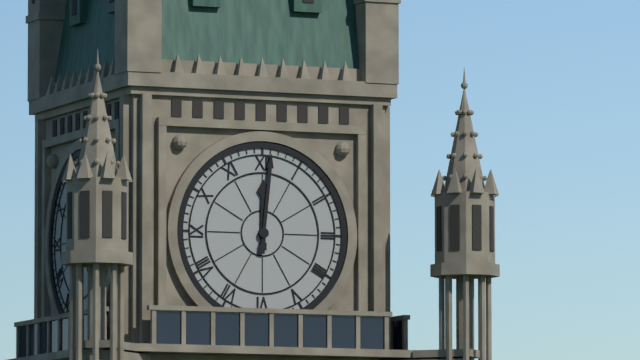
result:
{"hour": 12, "minute": 1}
